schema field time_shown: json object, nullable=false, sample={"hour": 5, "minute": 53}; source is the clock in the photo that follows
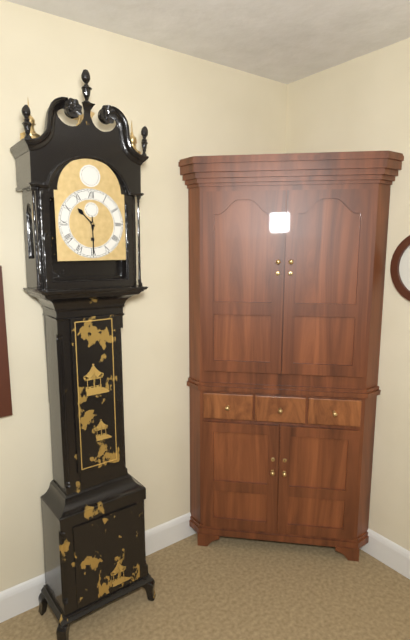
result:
{"hour": 10, "minute": 30}
